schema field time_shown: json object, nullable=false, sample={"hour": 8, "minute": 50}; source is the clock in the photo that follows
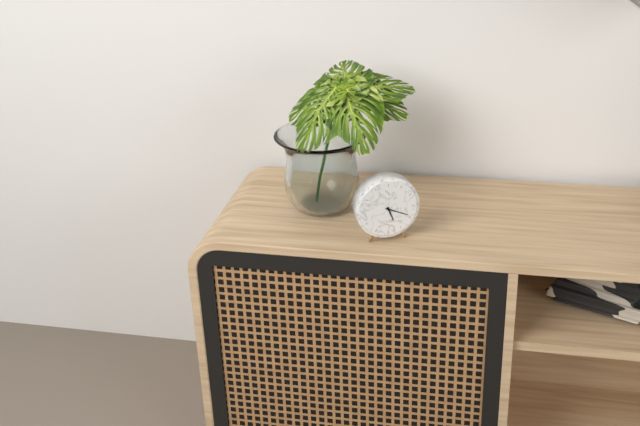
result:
{"hour": 5, "minute": 19}
